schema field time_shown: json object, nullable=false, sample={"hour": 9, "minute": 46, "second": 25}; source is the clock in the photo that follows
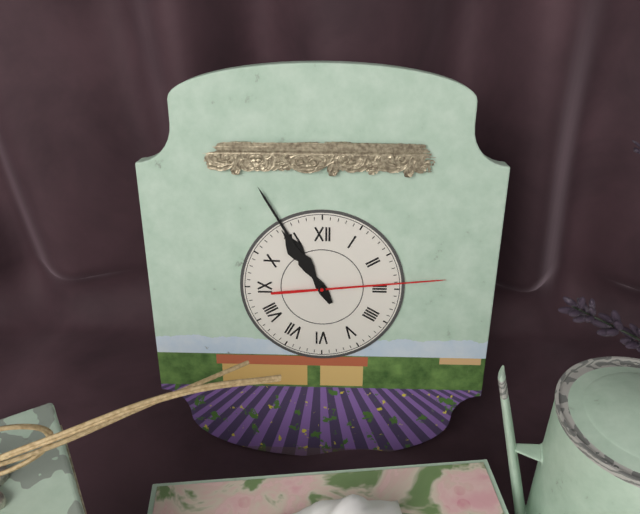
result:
{"hour": 10, "minute": 55, "second": 14}
